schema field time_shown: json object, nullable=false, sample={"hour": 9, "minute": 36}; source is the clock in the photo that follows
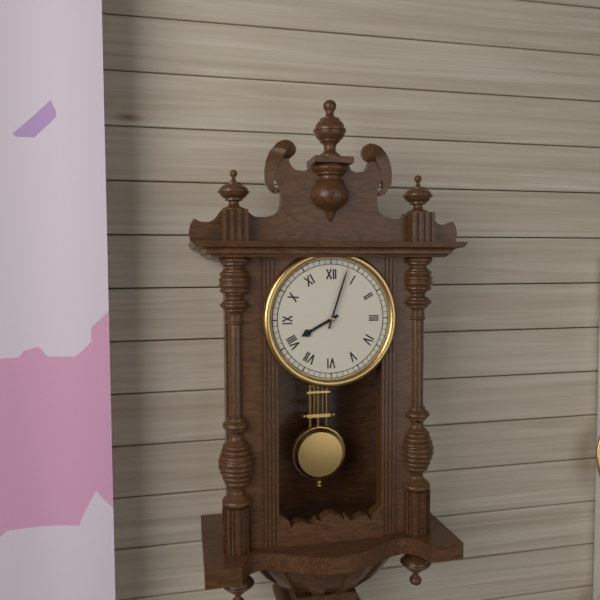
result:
{"hour": 8, "minute": 3}
